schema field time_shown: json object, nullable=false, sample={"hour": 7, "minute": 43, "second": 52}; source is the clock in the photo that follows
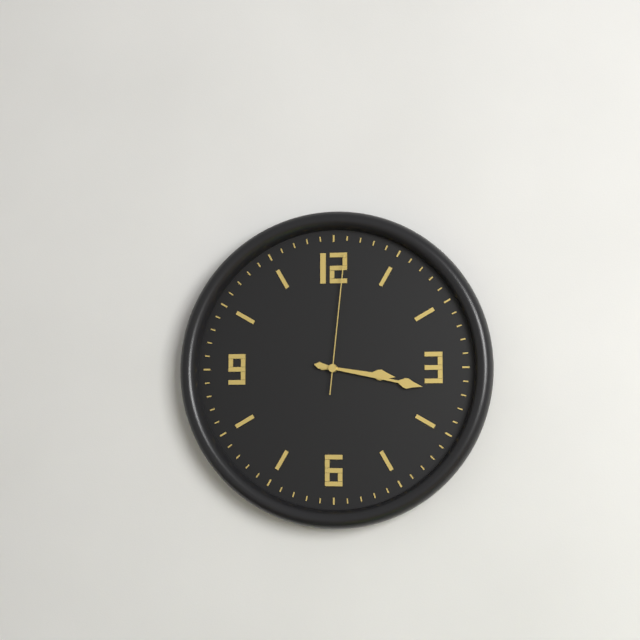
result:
{"hour": 3, "minute": 17, "second": 1}
